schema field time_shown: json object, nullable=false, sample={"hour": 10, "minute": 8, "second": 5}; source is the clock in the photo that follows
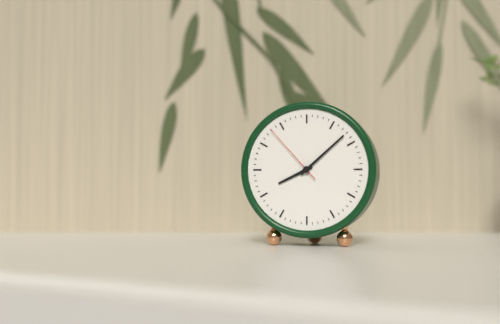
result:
{"hour": 8, "minute": 8, "second": 53}
